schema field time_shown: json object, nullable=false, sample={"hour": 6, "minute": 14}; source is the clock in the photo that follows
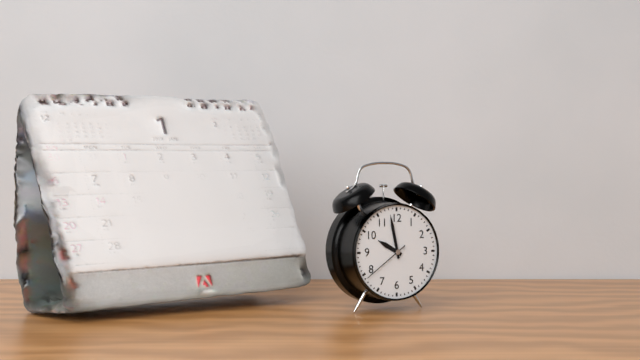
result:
{"hour": 9, "minute": 58}
